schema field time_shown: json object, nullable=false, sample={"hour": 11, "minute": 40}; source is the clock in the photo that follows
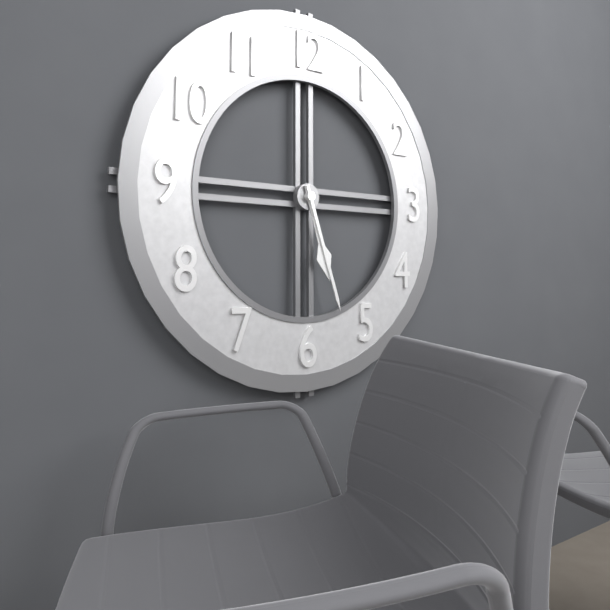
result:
{"hour": 5, "minute": 27}
